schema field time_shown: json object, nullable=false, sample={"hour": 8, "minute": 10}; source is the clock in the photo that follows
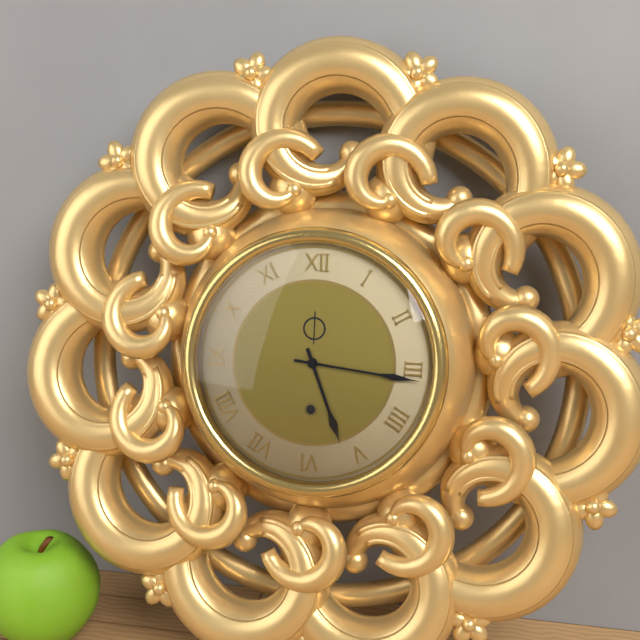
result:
{"hour": 5, "minute": 16}
